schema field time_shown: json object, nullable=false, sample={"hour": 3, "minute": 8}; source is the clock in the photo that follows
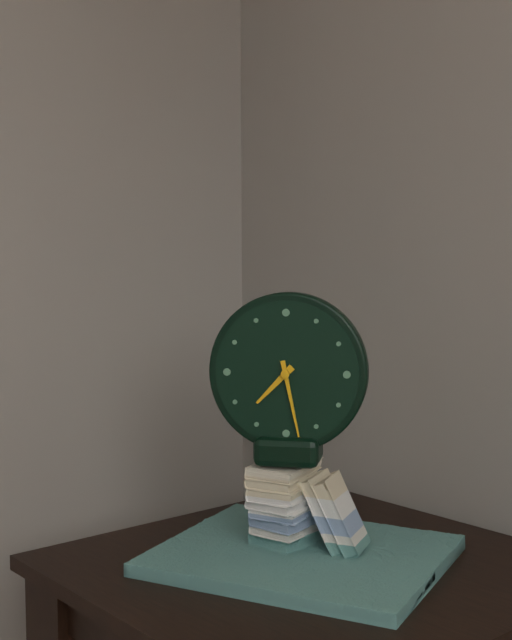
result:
{"hour": 7, "minute": 28}
